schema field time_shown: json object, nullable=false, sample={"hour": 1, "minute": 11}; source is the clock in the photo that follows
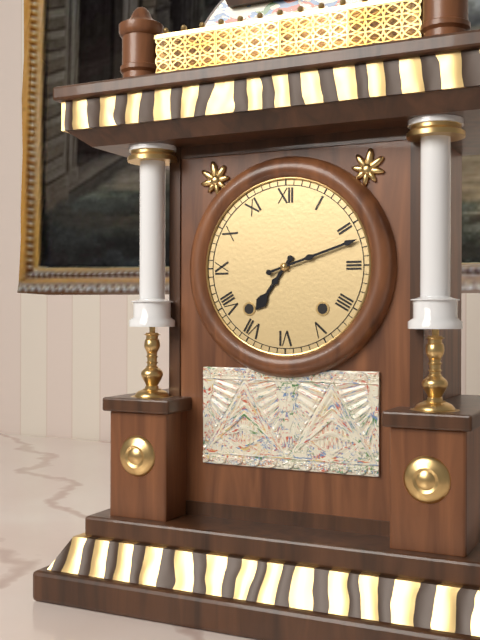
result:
{"hour": 7, "minute": 12}
